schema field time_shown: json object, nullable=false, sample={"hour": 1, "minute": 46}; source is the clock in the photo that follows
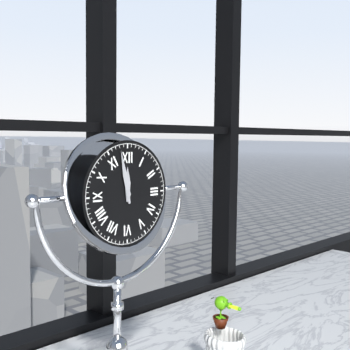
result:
{"hour": 11, "minute": 58}
